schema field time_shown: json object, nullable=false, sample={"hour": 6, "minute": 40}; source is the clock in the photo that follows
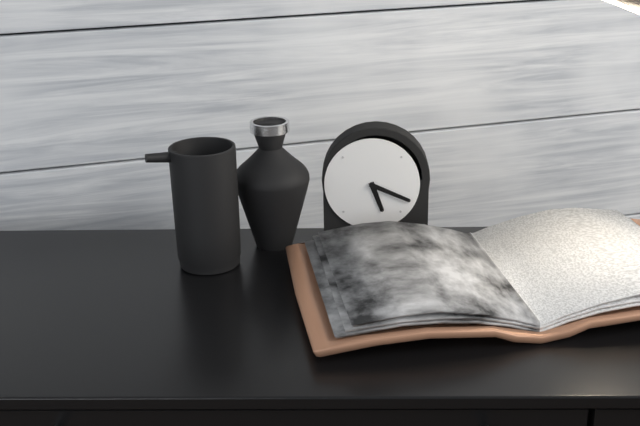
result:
{"hour": 5, "minute": 19}
